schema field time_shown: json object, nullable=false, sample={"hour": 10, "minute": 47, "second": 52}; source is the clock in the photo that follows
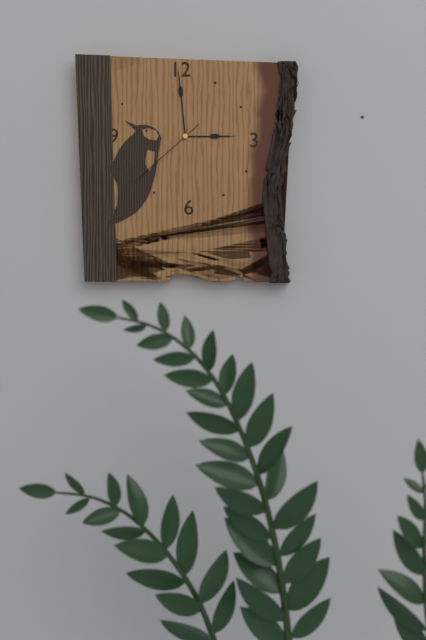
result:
{"hour": 2, "minute": 59, "second": 38}
